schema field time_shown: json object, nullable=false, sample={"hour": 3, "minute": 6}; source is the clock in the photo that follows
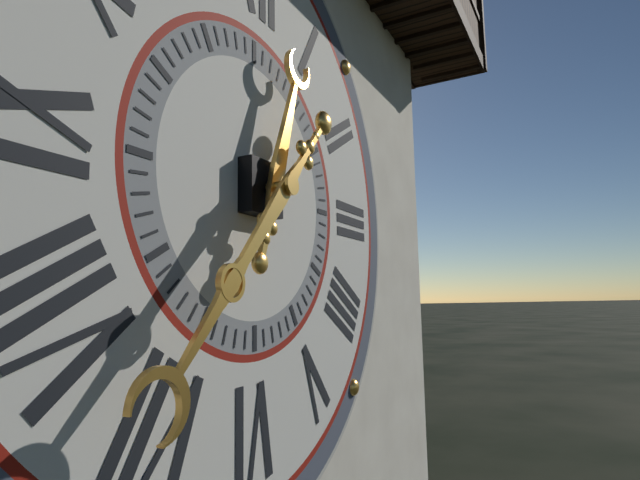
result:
{"hour": 12, "minute": 37}
